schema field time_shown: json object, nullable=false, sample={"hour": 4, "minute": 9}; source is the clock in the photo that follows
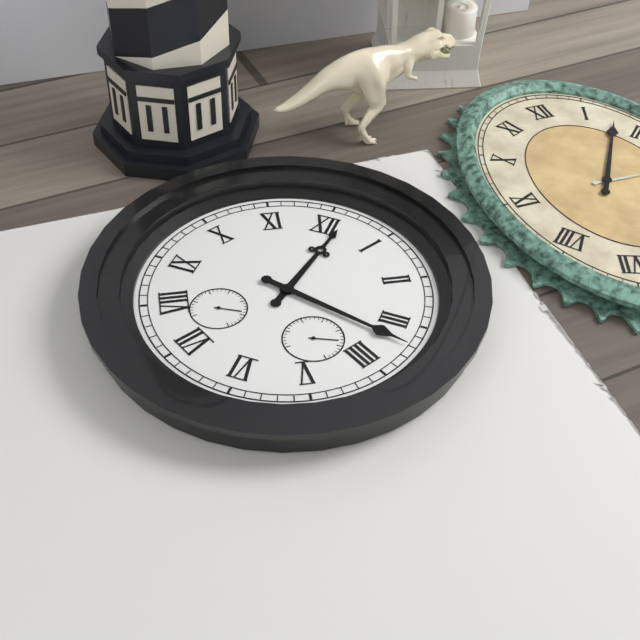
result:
{"hour": 12, "minute": 17}
